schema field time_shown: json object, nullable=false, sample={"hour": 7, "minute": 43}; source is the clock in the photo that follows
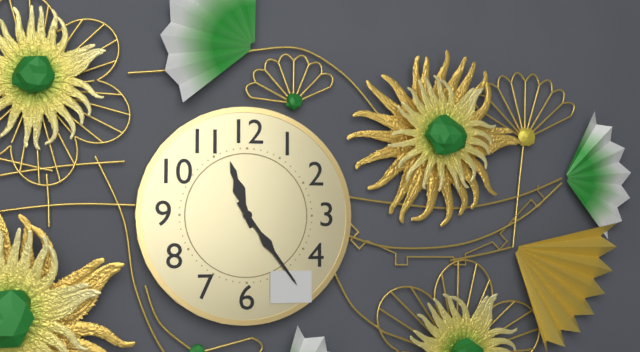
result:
{"hour": 11, "minute": 24}
